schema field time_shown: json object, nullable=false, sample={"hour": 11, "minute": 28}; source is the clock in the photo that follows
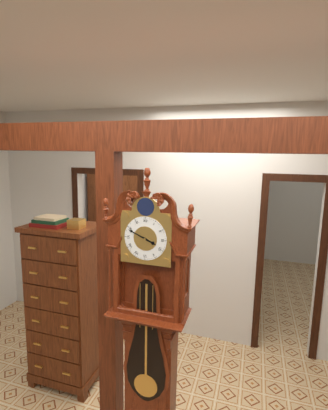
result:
{"hour": 3, "minute": 49}
